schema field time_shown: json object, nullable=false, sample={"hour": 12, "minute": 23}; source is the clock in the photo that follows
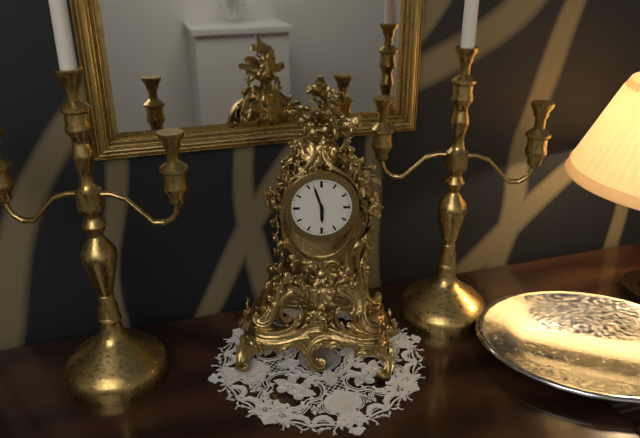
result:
{"hour": 5, "minute": 57}
